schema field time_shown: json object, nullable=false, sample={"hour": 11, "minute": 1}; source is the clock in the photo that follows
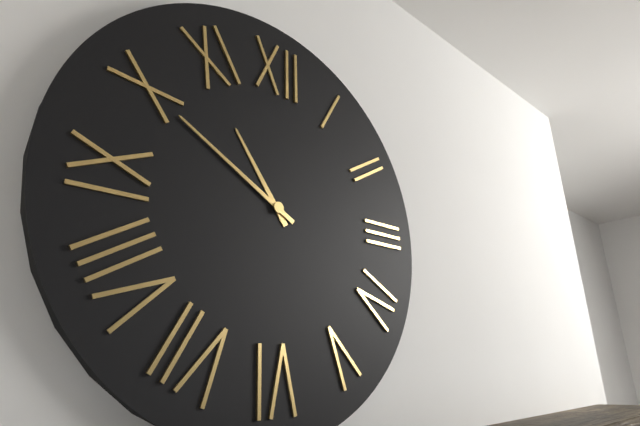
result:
{"hour": 10, "minute": 50}
